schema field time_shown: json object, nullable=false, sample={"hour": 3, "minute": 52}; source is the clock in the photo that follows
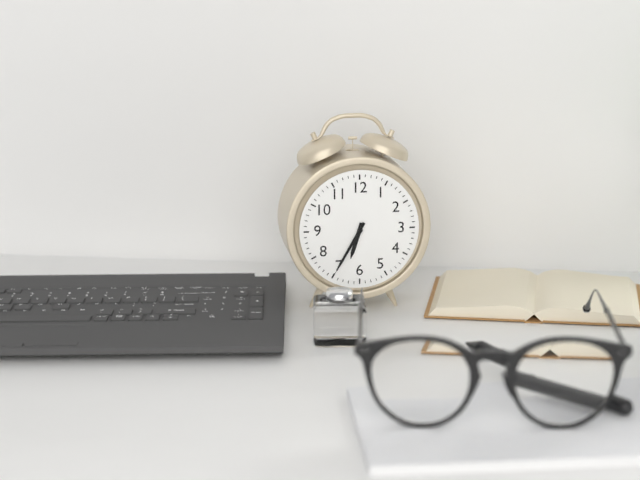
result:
{"hour": 6, "minute": 35}
